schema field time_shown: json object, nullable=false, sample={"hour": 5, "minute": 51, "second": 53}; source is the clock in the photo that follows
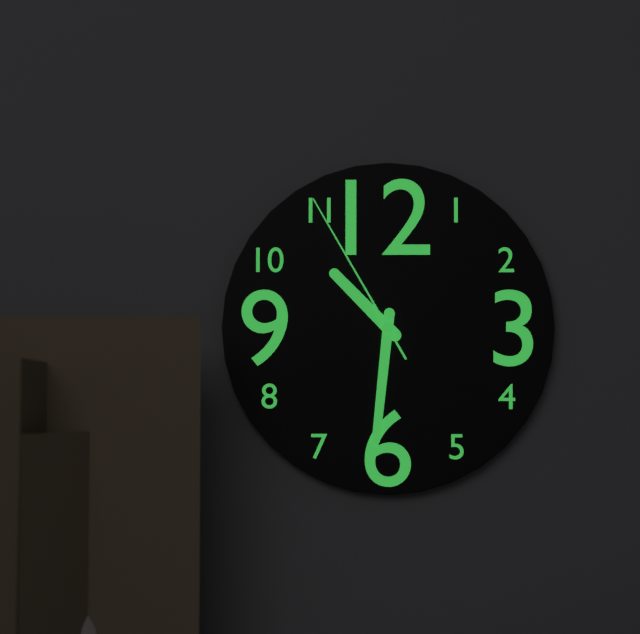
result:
{"hour": 10, "minute": 31, "second": 55}
